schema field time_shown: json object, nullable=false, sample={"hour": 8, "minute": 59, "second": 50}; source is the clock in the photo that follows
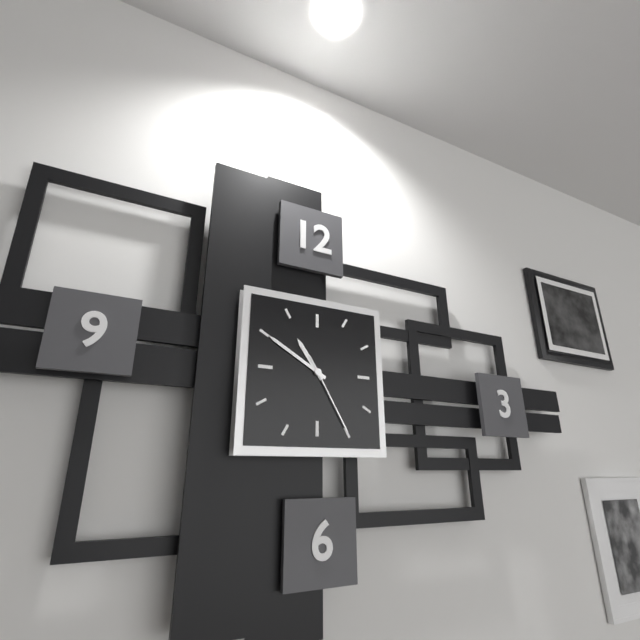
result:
{"hour": 10, "minute": 50, "second": 25}
